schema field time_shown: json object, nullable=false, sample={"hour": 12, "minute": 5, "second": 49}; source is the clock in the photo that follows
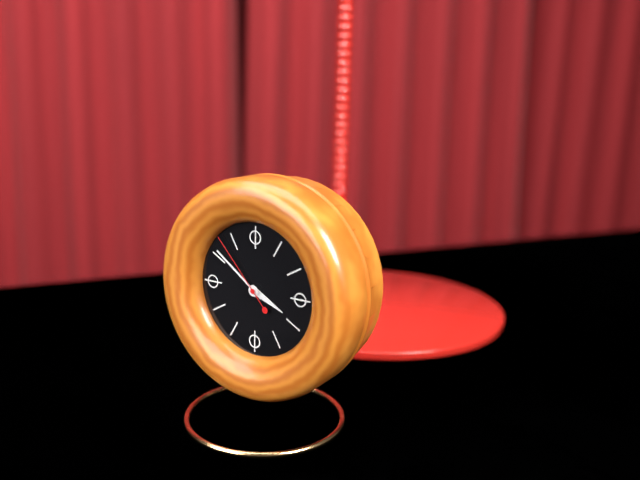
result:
{"hour": 3, "minute": 51, "second": 53}
